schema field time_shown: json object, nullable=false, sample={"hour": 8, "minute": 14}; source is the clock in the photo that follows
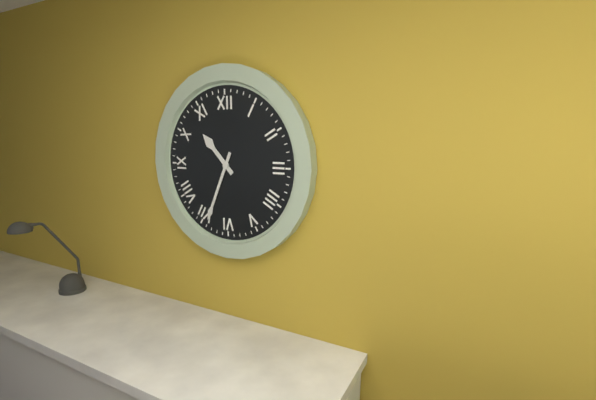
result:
{"hour": 10, "minute": 34}
